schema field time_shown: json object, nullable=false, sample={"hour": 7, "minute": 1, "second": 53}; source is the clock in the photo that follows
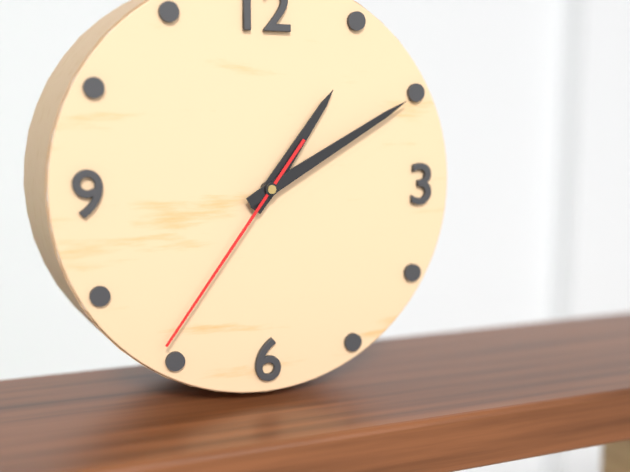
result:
{"hour": 1, "minute": 10, "second": 36}
